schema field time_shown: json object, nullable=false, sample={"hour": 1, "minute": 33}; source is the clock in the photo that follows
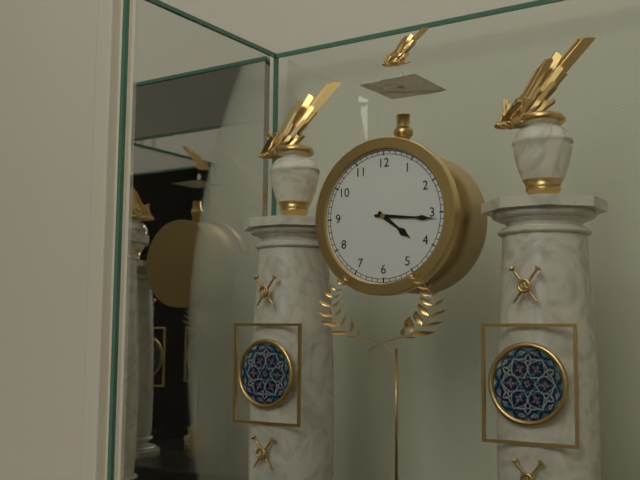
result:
{"hour": 4, "minute": 16}
